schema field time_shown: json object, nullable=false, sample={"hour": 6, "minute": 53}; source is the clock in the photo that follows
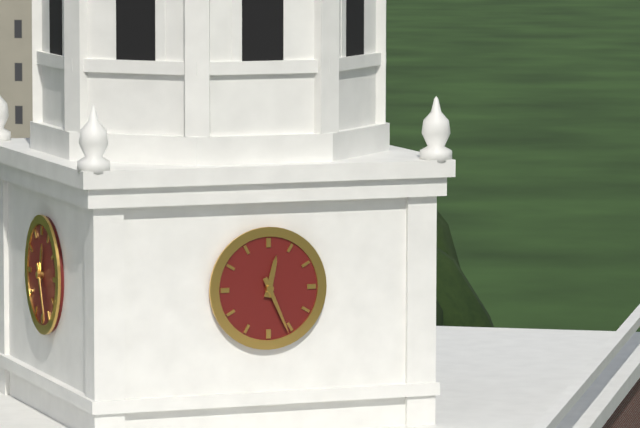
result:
{"hour": 12, "minute": 26}
